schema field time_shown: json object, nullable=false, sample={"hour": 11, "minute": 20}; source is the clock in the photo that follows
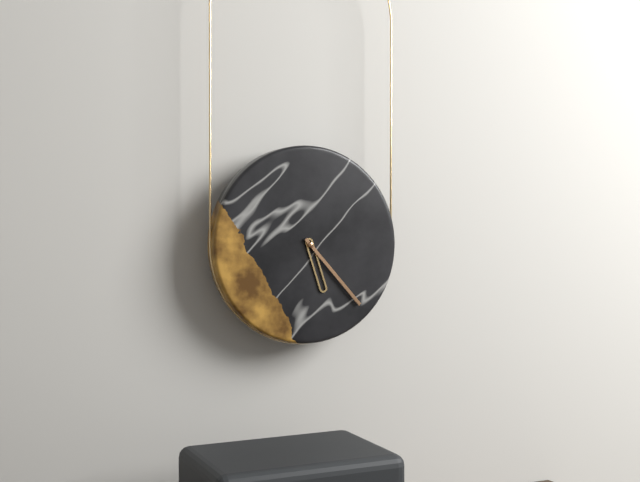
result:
{"hour": 5, "minute": 23}
